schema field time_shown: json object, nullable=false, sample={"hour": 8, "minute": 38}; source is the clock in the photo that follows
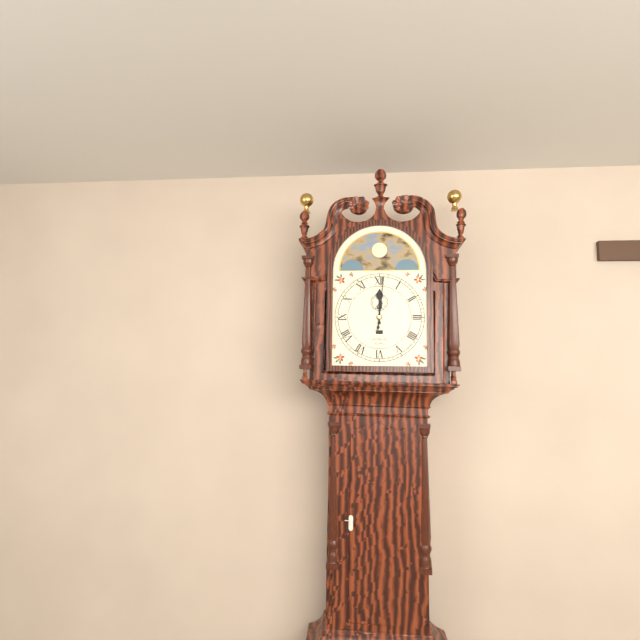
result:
{"hour": 12, "minute": 1}
